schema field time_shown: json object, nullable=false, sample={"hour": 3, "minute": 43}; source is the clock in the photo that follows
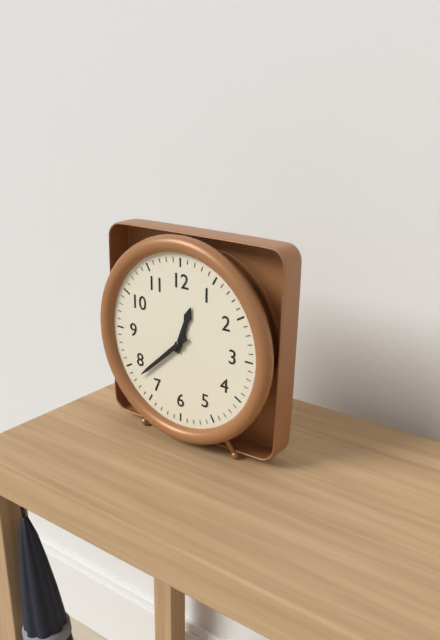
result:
{"hour": 12, "minute": 38}
